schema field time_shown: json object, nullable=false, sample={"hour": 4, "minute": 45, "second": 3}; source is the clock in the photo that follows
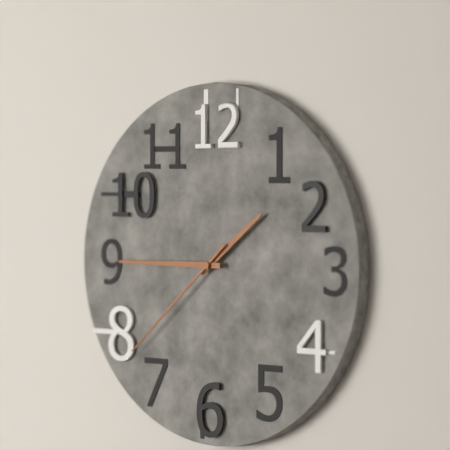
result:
{"hour": 1, "minute": 45, "second": 38}
